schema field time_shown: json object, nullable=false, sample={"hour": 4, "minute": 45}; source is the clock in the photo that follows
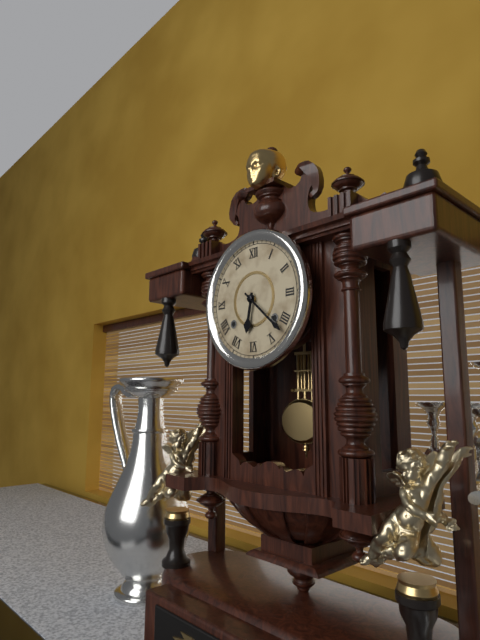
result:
{"hour": 6, "minute": 22}
